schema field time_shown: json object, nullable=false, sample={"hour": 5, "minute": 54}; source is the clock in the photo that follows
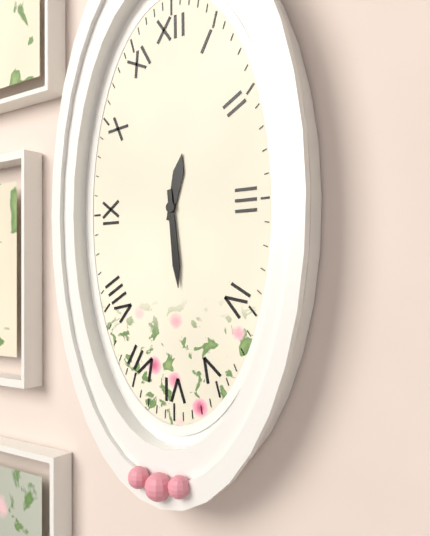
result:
{"hour": 12, "minute": 29}
